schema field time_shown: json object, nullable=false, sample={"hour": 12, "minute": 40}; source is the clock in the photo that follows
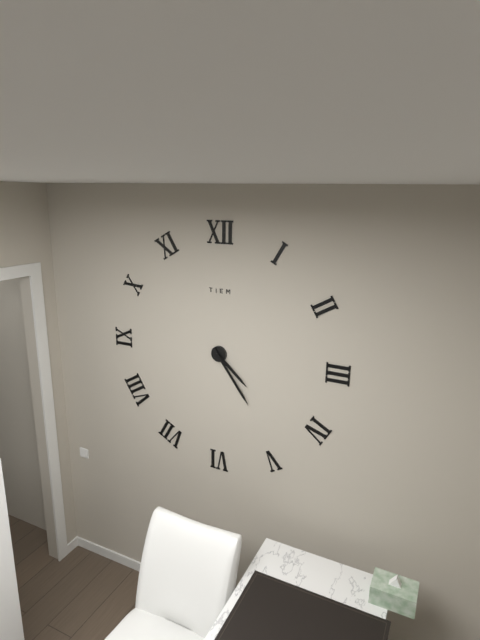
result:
{"hour": 4, "minute": 24}
